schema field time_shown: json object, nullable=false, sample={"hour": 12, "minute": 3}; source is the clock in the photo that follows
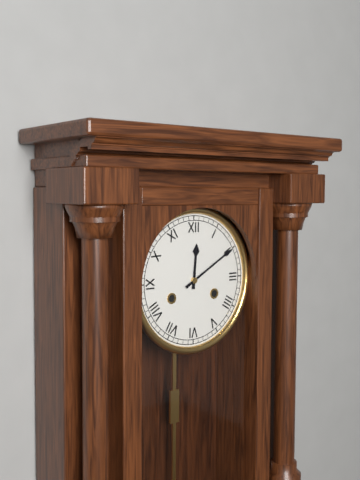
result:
{"hour": 12, "minute": 10}
